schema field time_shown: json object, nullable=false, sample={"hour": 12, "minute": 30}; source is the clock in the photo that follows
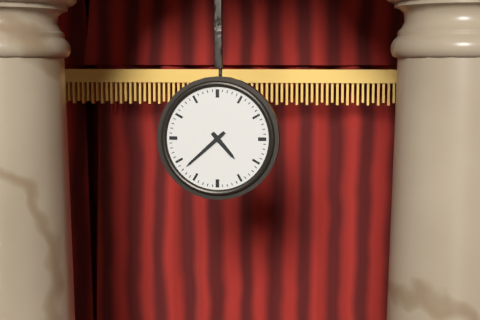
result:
{"hour": 4, "minute": 38}
